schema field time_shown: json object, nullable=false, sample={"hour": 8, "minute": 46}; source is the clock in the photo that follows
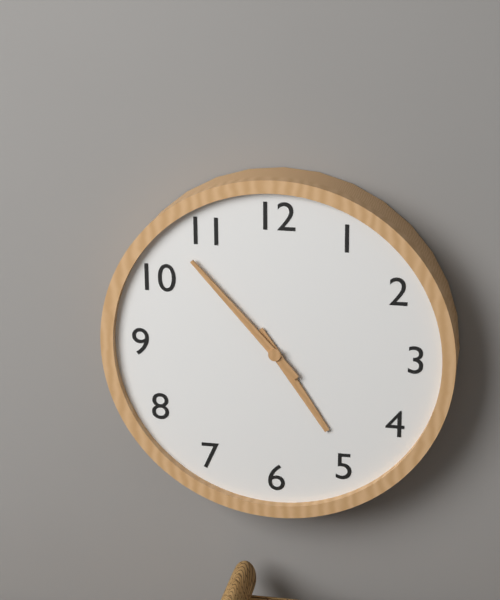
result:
{"hour": 4, "minute": 53}
